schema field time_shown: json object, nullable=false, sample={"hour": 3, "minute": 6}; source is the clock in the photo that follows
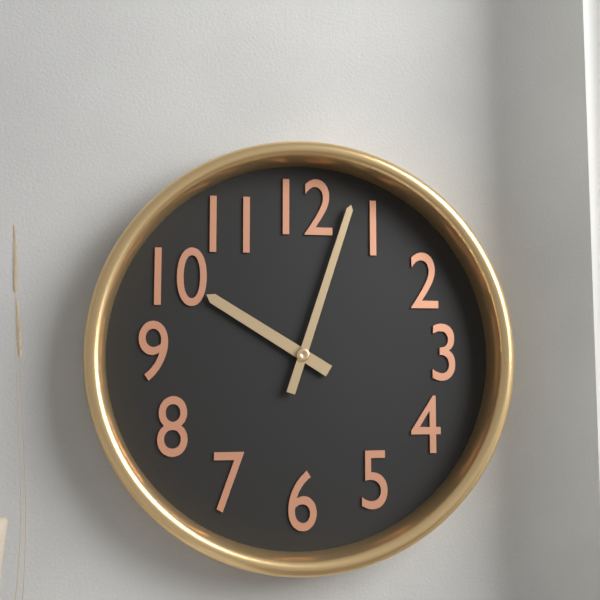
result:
{"hour": 10, "minute": 3}
